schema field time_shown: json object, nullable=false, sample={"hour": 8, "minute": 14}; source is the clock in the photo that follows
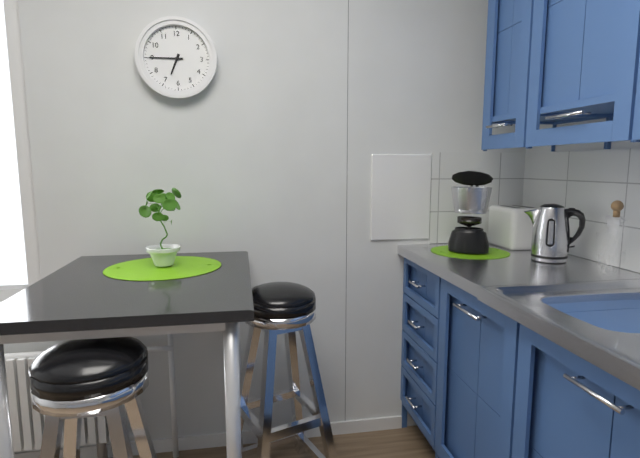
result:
{"hour": 6, "minute": 45}
